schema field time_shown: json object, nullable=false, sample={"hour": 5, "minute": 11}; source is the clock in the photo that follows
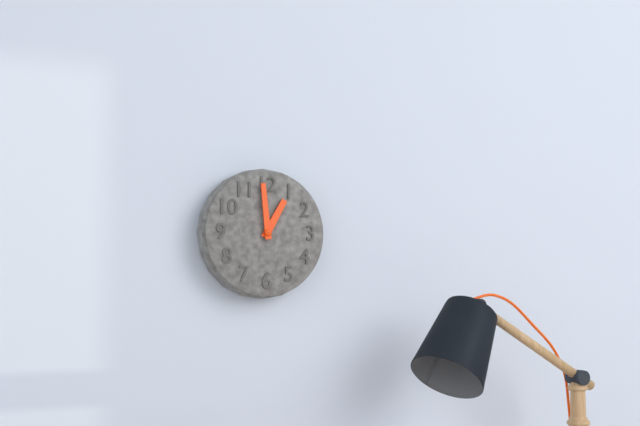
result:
{"hour": 12, "minute": 59}
